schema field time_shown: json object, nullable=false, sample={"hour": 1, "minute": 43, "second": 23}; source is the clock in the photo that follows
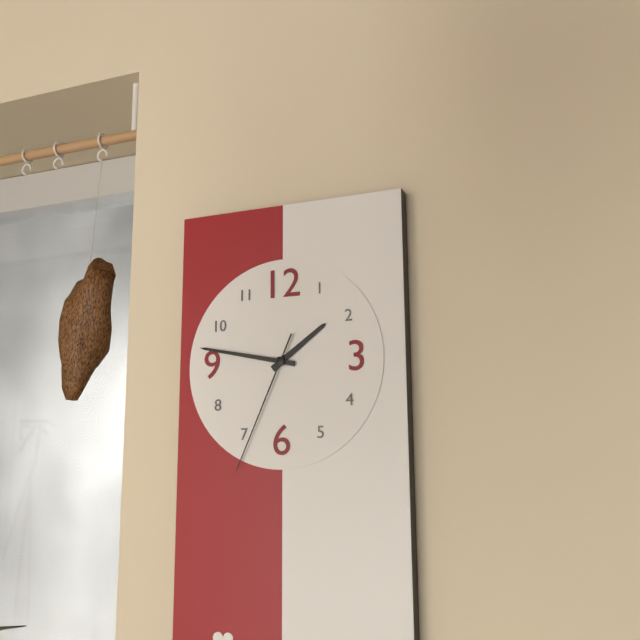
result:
{"hour": 1, "minute": 47, "second": 34}
